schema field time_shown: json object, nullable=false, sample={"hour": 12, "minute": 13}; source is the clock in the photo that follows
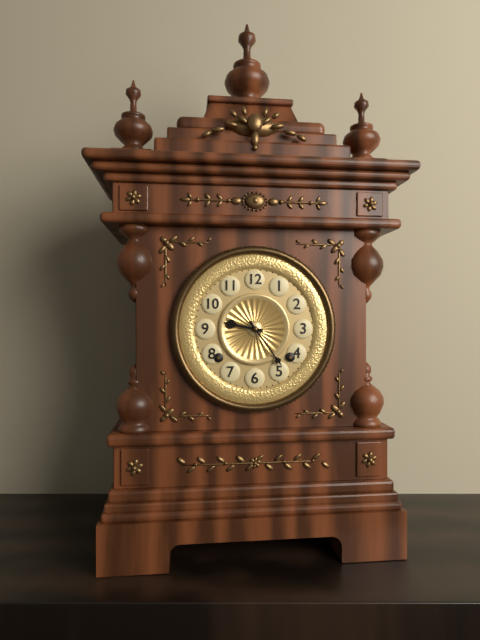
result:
{"hour": 9, "minute": 24}
